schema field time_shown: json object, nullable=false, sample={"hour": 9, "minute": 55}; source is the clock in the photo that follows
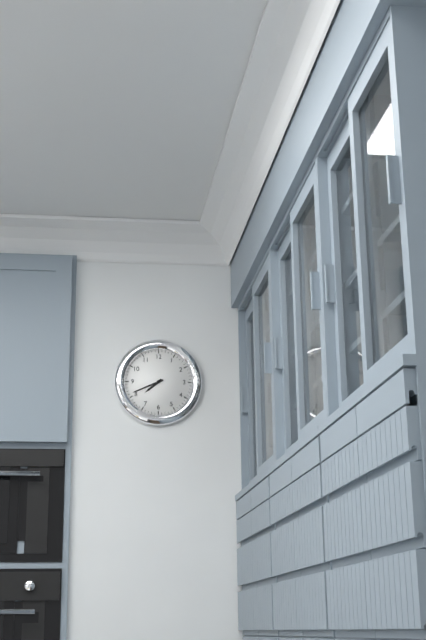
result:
{"hour": 7, "minute": 41}
